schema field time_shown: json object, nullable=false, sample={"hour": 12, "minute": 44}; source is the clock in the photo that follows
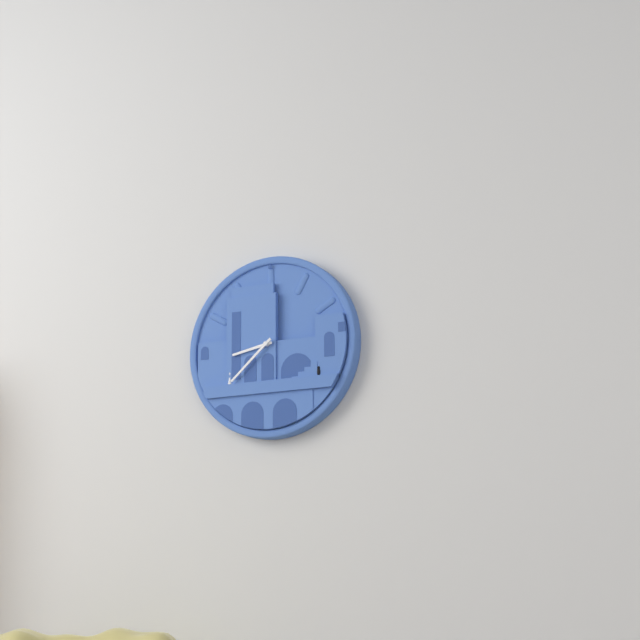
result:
{"hour": 8, "minute": 38}
